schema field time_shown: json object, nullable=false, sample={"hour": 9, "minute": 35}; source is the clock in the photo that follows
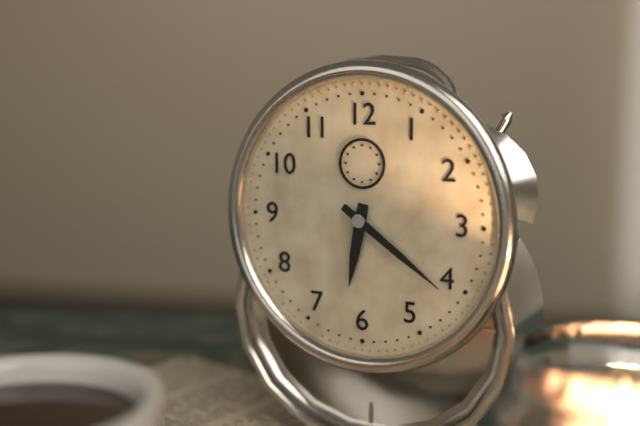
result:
{"hour": 6, "minute": 21}
